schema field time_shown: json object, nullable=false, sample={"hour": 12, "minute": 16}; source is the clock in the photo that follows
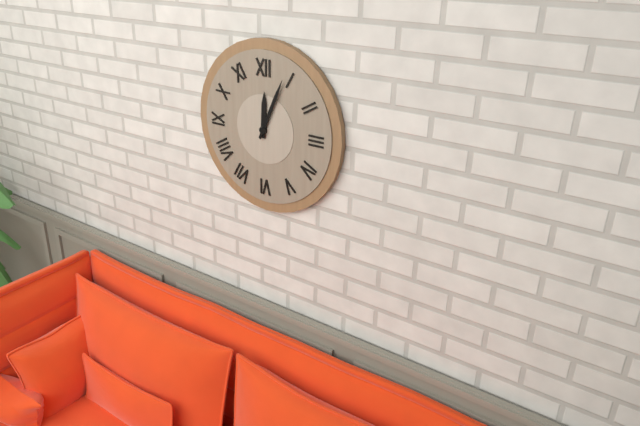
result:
{"hour": 12, "minute": 4}
